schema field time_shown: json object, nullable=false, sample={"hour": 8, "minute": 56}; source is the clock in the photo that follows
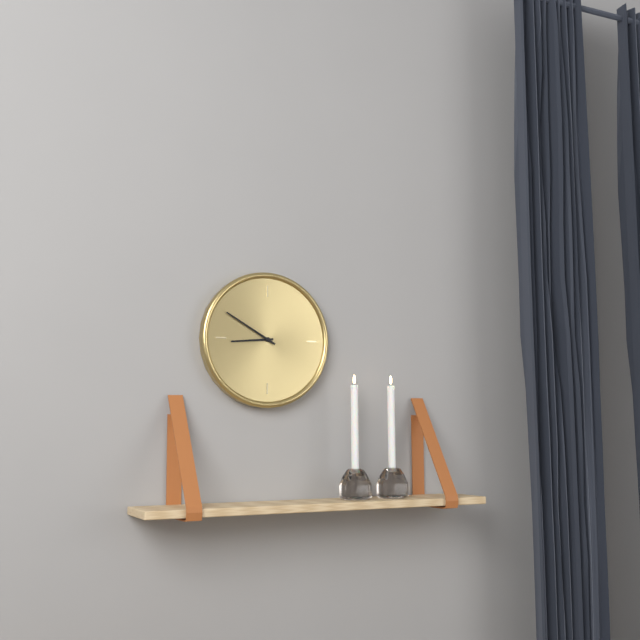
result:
{"hour": 8, "minute": 50}
